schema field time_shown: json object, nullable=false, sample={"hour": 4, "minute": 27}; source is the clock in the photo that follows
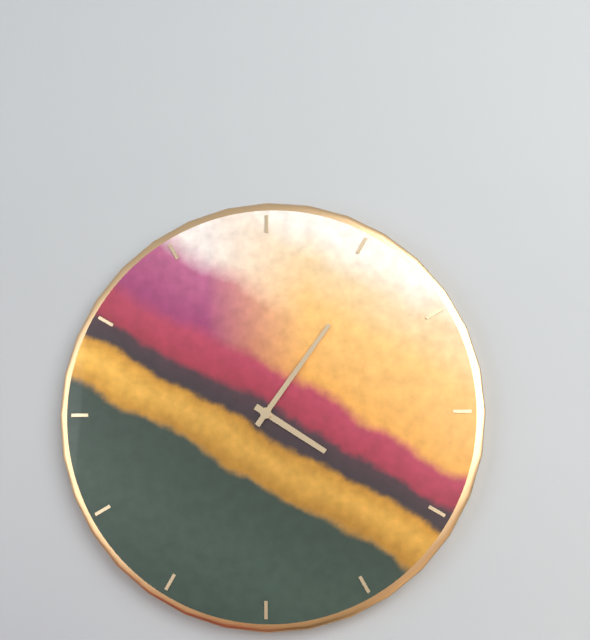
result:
{"hour": 4, "minute": 6}
